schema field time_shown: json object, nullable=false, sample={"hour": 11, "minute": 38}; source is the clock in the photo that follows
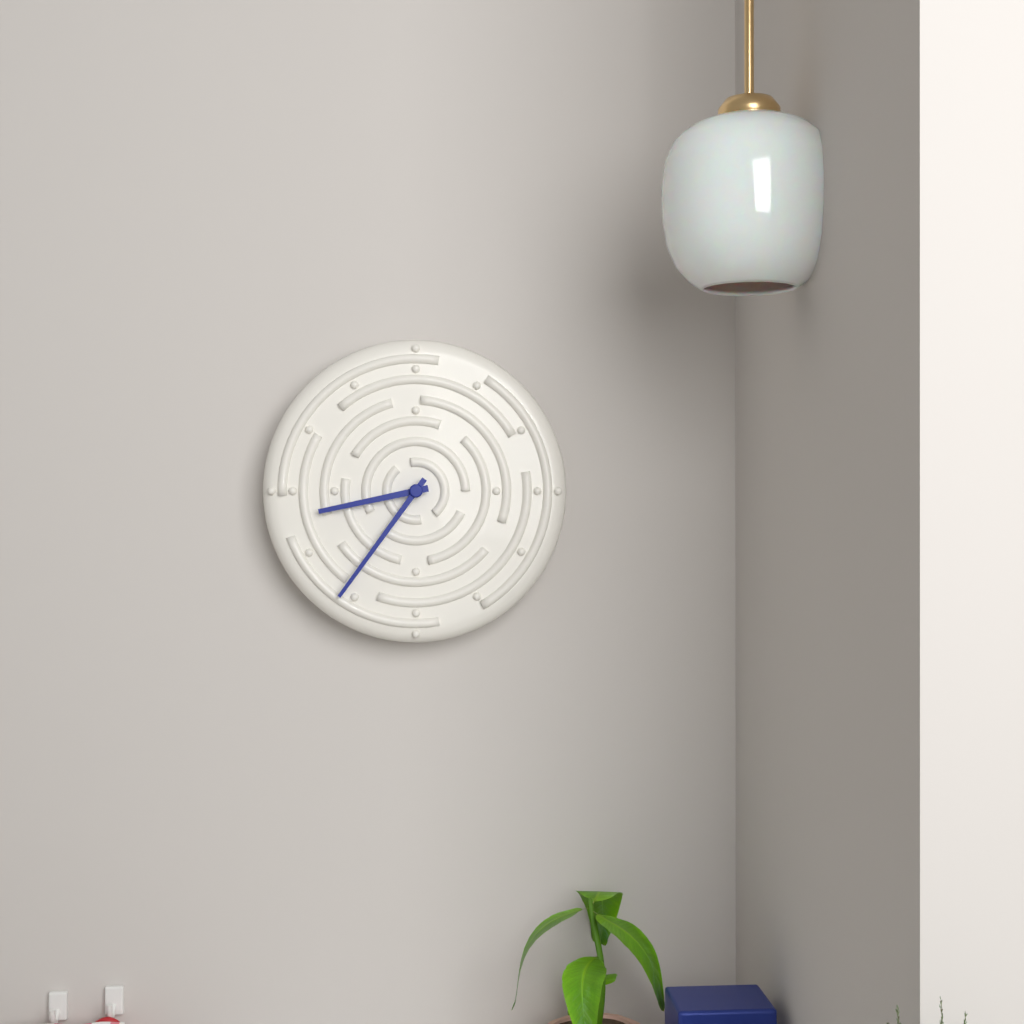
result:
{"hour": 8, "minute": 36}
